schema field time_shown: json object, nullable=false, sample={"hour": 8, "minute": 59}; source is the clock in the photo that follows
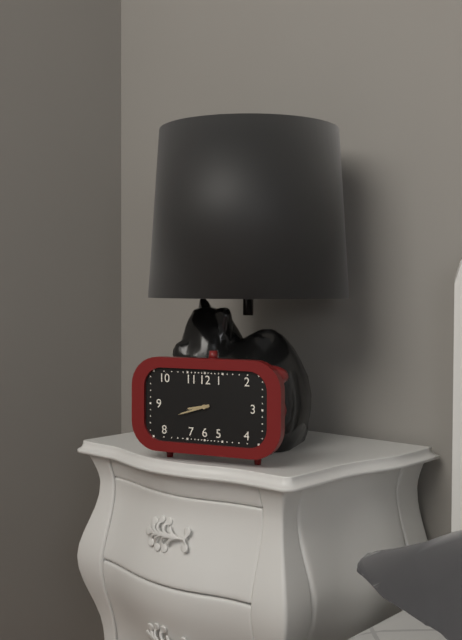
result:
{"hour": 8, "minute": 42}
